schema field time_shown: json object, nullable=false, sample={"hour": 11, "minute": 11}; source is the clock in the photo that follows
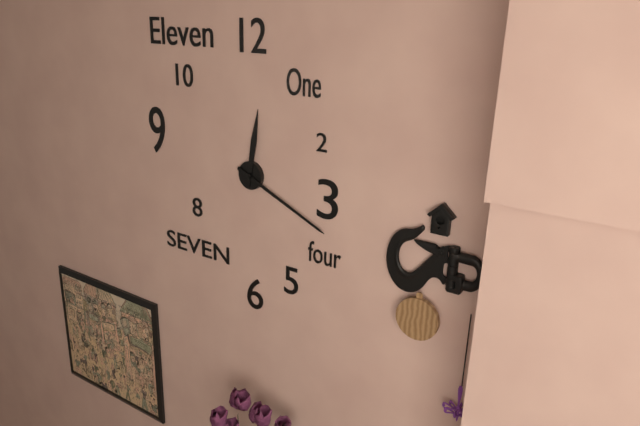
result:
{"hour": 12, "minute": 19}
